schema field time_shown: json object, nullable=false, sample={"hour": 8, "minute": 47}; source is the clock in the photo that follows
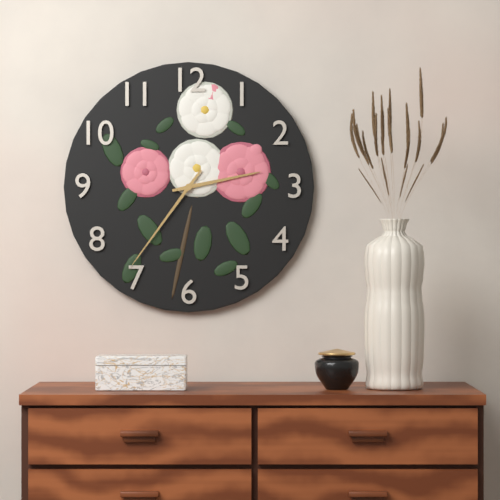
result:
{"hour": 2, "minute": 36}
